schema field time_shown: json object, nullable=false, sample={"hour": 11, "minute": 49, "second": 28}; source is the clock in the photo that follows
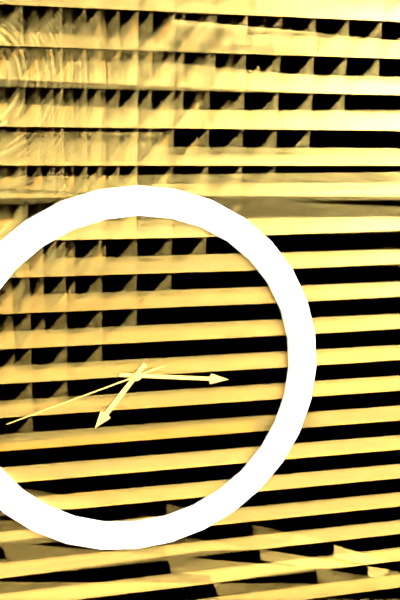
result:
{"hour": 7, "minute": 16, "second": 42}
